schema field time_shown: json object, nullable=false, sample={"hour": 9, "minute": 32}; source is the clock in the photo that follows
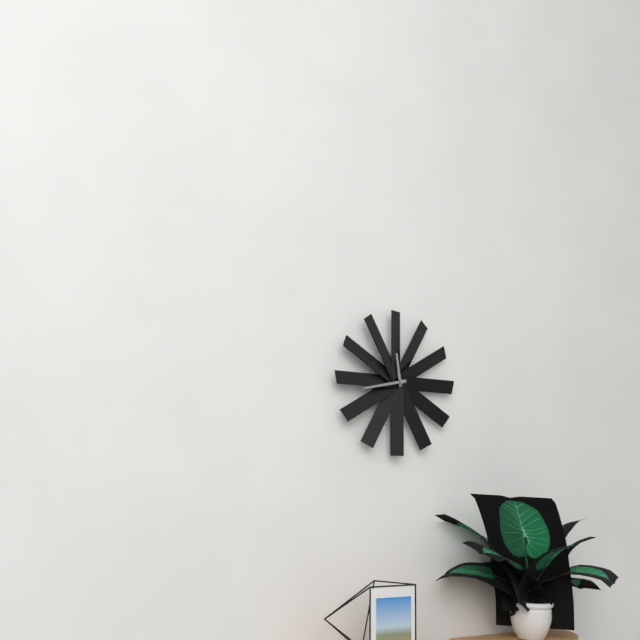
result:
{"hour": 11, "minute": 43}
